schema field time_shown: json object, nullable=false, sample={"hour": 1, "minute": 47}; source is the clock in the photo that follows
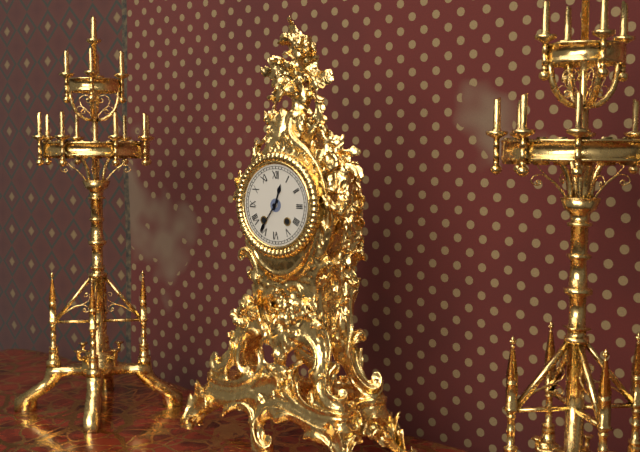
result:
{"hour": 12, "minute": 36}
